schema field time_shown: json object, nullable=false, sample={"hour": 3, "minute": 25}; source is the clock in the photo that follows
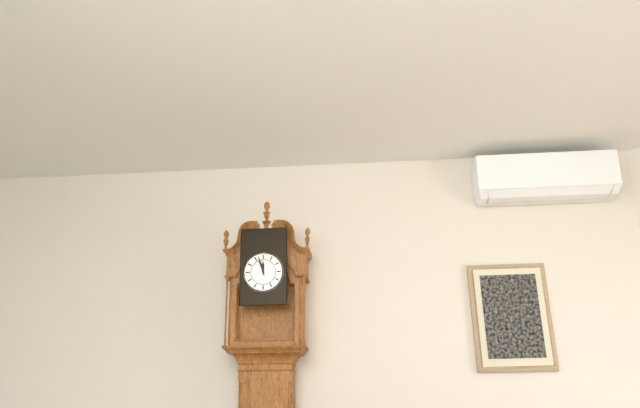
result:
{"hour": 11, "minute": 57}
